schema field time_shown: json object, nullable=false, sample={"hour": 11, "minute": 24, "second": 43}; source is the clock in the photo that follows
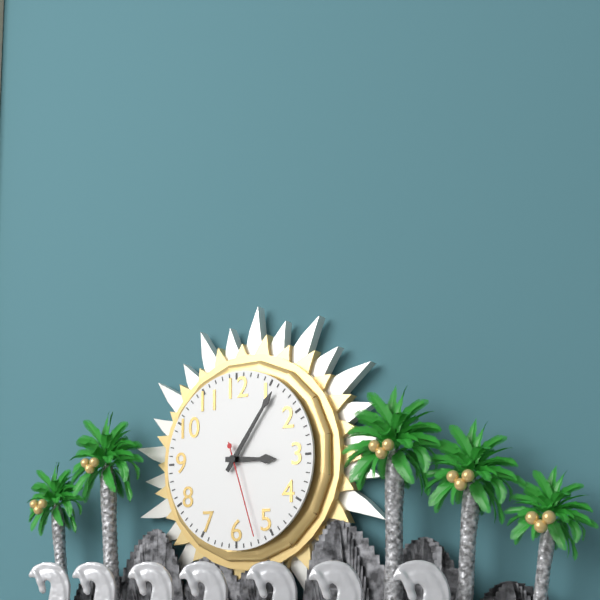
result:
{"hour": 3, "minute": 6, "second": 27}
